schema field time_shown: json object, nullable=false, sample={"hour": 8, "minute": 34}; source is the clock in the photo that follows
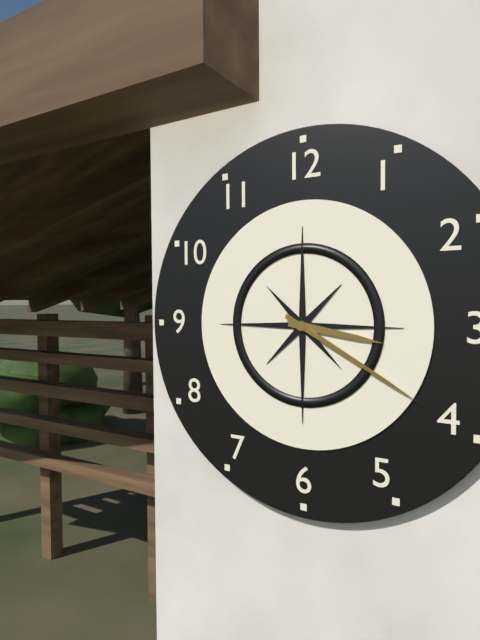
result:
{"hour": 3, "minute": 20}
